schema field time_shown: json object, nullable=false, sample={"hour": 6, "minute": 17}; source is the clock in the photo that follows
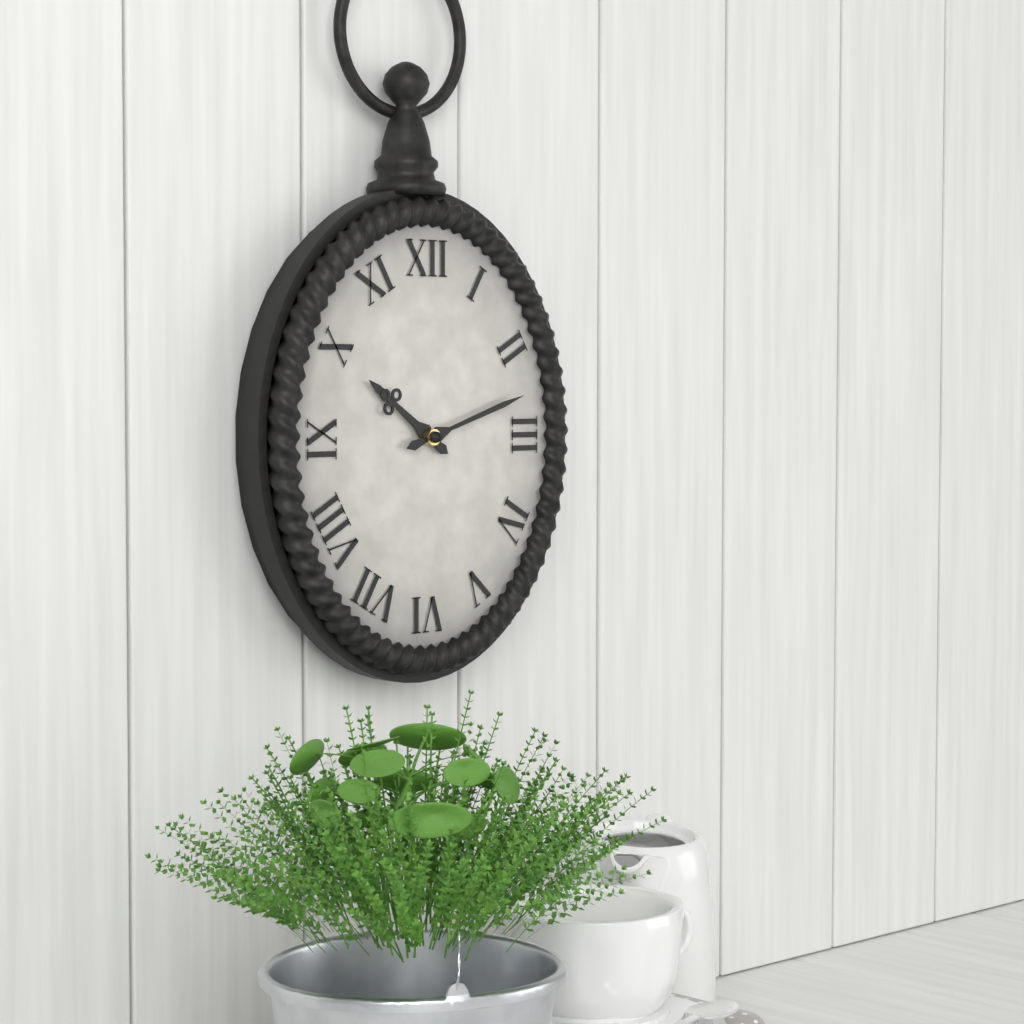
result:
{"hour": 10, "minute": 12}
